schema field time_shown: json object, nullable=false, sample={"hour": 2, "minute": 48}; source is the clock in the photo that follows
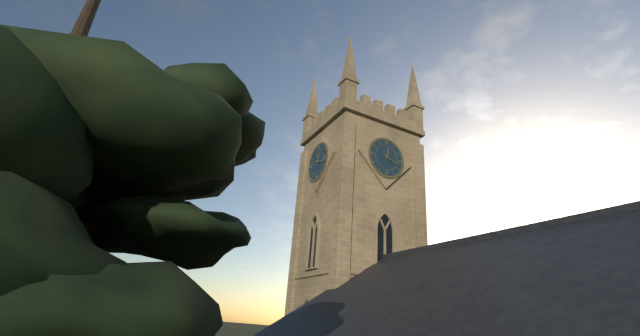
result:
{"hour": 12, "minute": 18}
